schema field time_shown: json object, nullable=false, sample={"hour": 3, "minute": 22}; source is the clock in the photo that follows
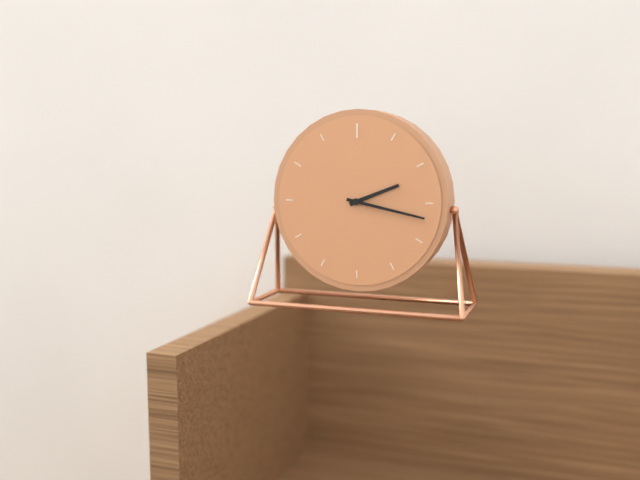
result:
{"hour": 2, "minute": 17}
